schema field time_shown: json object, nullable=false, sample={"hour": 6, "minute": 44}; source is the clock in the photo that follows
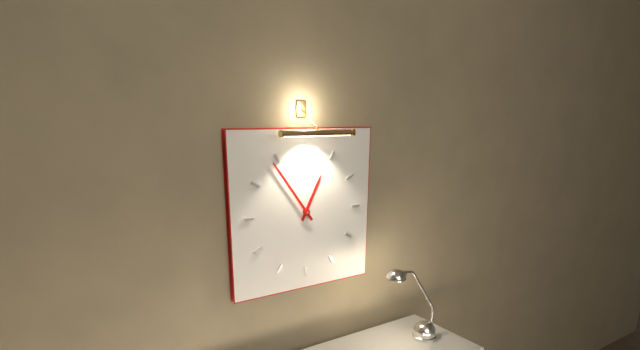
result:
{"hour": 12, "minute": 54}
